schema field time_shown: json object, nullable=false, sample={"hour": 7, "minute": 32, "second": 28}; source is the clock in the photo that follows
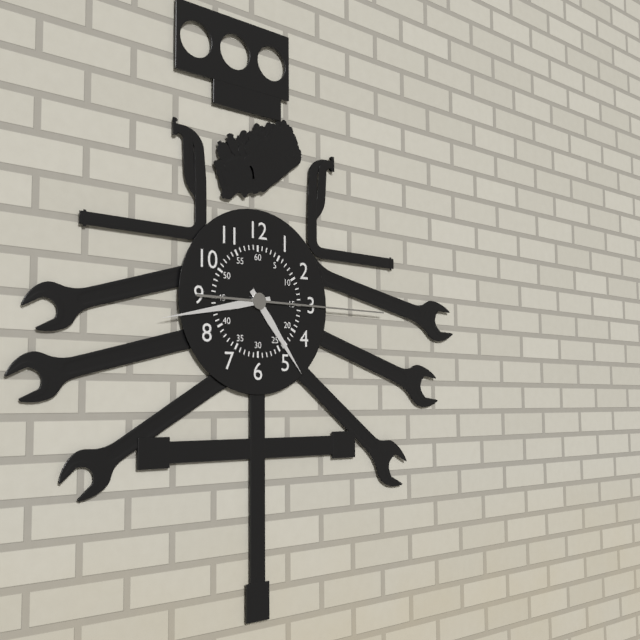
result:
{"hour": 4, "minute": 43, "second": 15}
